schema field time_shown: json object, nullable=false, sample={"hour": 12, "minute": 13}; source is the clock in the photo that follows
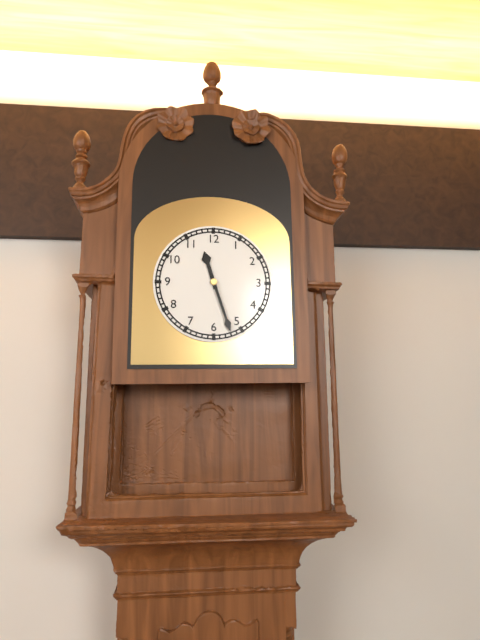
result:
{"hour": 11, "minute": 27}
